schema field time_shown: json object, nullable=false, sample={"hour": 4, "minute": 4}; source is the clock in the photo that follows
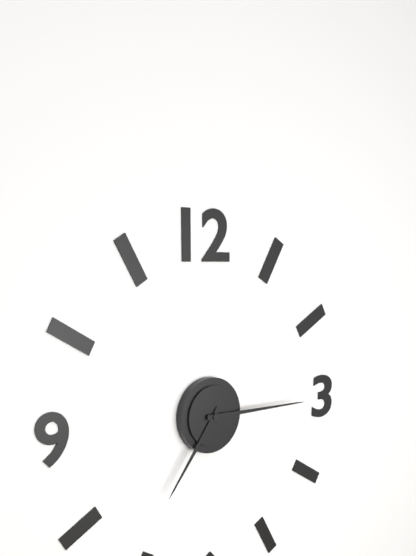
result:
{"hour": 7, "minute": 15}
